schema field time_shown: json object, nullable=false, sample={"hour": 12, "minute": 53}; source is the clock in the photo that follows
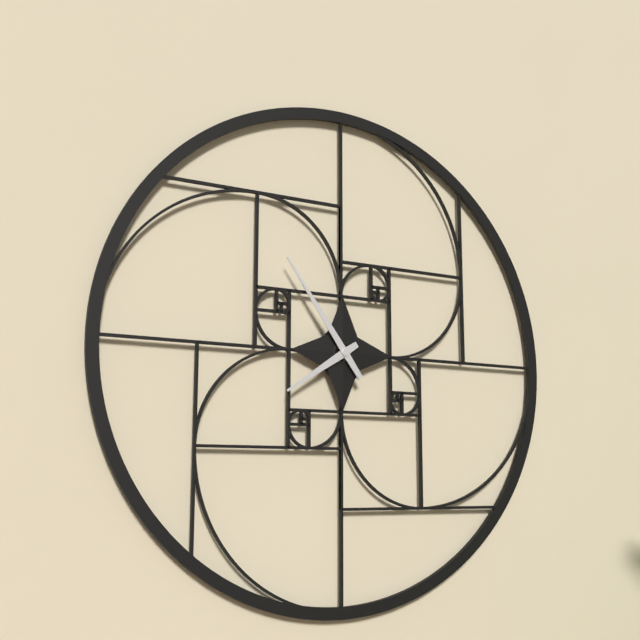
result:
{"hour": 7, "minute": 54}
